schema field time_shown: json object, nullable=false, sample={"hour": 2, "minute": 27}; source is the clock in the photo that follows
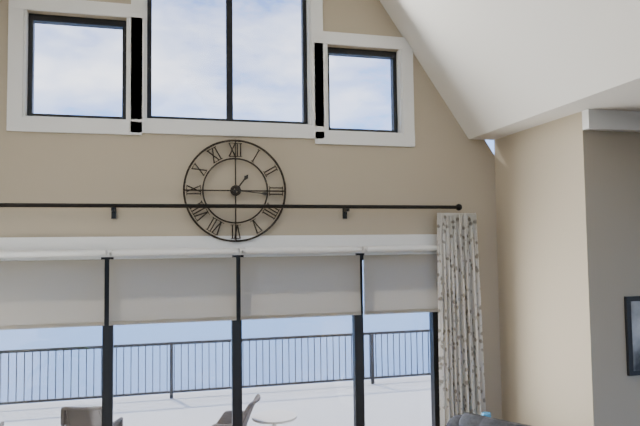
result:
{"hour": 1, "minute": 16}
